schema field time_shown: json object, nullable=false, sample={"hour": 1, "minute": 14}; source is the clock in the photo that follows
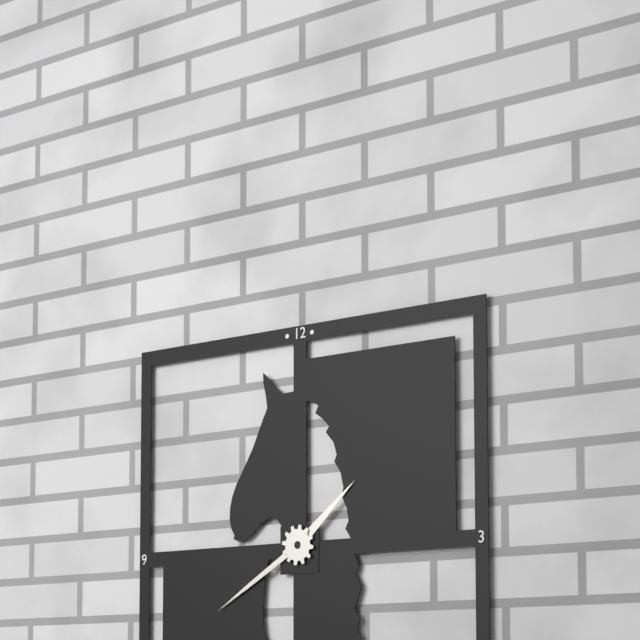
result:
{"hour": 1, "minute": 40}
